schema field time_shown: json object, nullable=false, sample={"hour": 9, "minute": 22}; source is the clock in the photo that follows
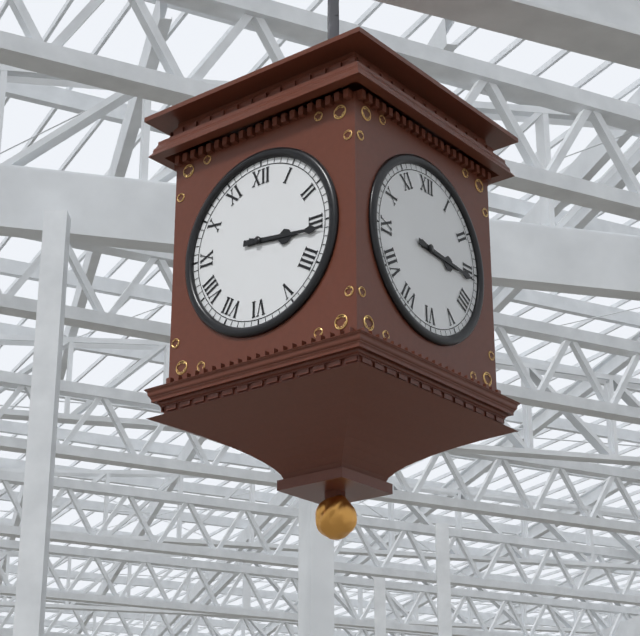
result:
{"hour": 3, "minute": 16}
